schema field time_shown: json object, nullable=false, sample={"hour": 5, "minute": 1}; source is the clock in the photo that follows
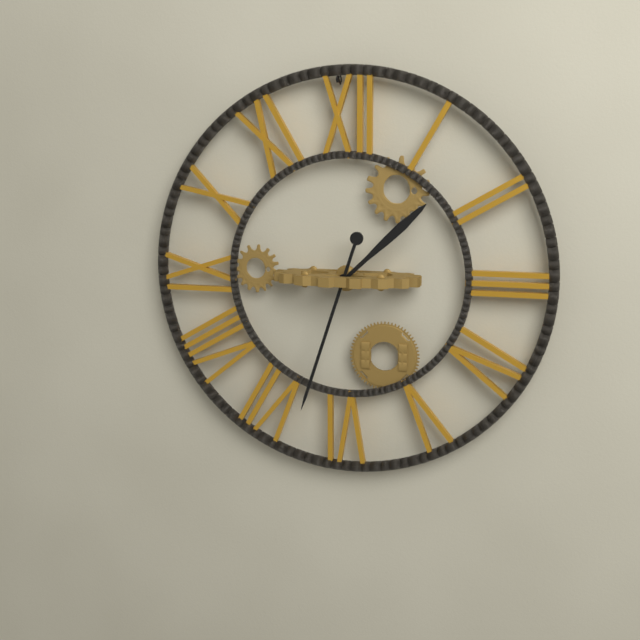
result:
{"hour": 1, "minute": 33}
